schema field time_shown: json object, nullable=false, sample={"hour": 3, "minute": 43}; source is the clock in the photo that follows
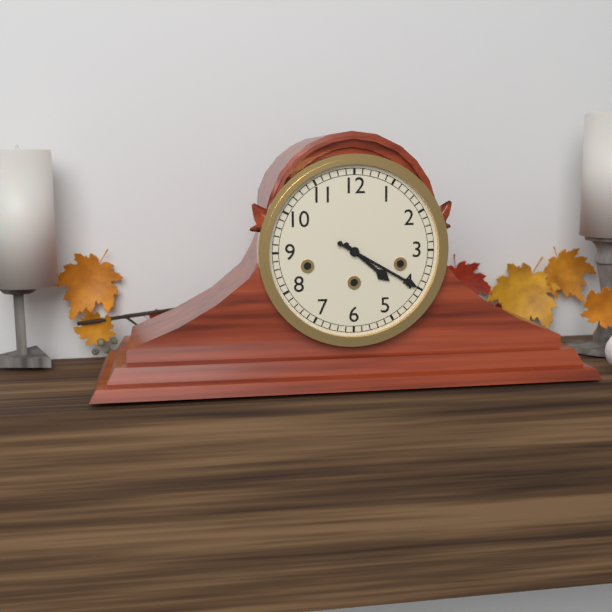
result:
{"hour": 4, "minute": 20}
